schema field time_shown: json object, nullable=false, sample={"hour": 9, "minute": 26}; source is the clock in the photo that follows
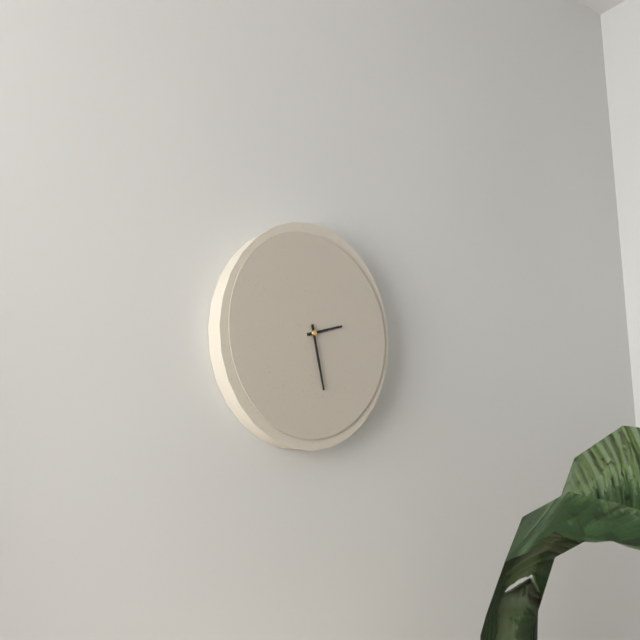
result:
{"hour": 2, "minute": 28}
